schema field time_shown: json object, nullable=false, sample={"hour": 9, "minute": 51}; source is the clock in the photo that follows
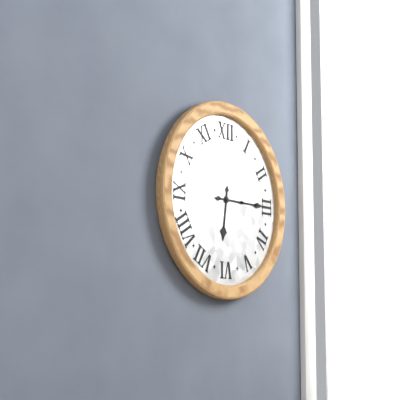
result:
{"hour": 6, "minute": 15}
